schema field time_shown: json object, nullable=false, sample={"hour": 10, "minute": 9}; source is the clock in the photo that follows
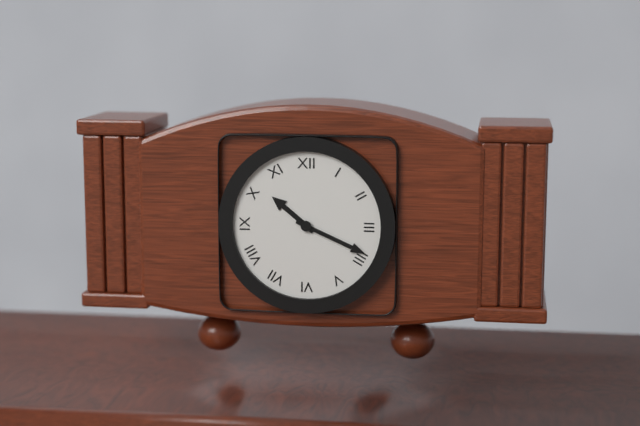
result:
{"hour": 10, "minute": 19}
